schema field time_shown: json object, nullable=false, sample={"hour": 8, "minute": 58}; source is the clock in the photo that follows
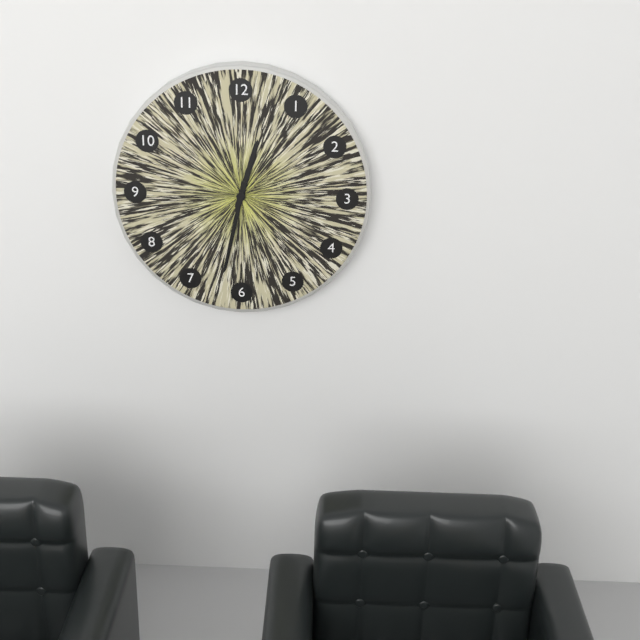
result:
{"hour": 12, "minute": 32}
